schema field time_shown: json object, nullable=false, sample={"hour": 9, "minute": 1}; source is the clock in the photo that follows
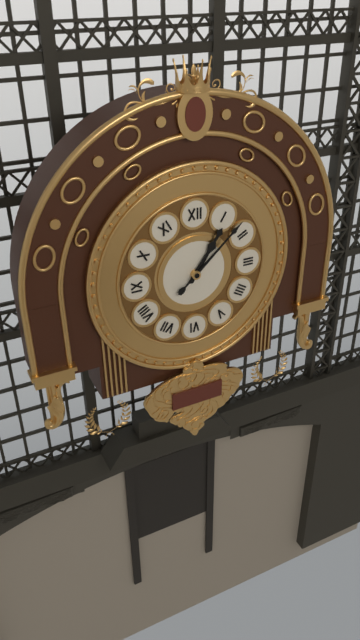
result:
{"hour": 1, "minute": 8}
